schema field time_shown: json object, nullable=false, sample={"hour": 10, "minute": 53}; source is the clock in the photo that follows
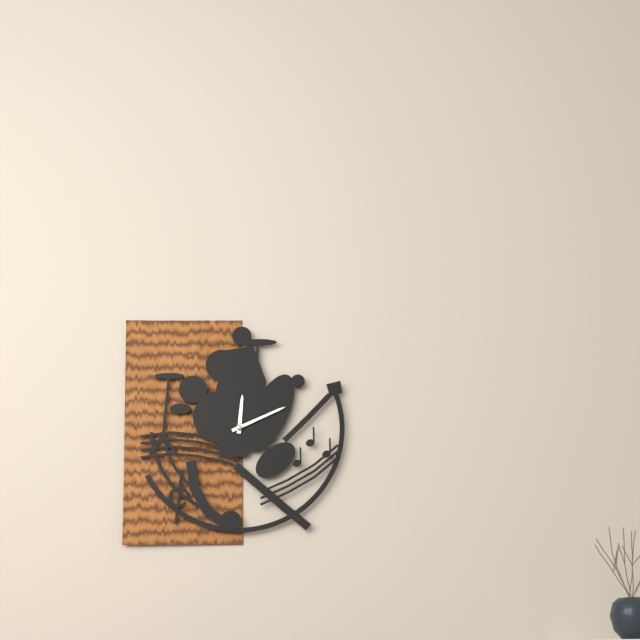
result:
{"hour": 12, "minute": 11}
